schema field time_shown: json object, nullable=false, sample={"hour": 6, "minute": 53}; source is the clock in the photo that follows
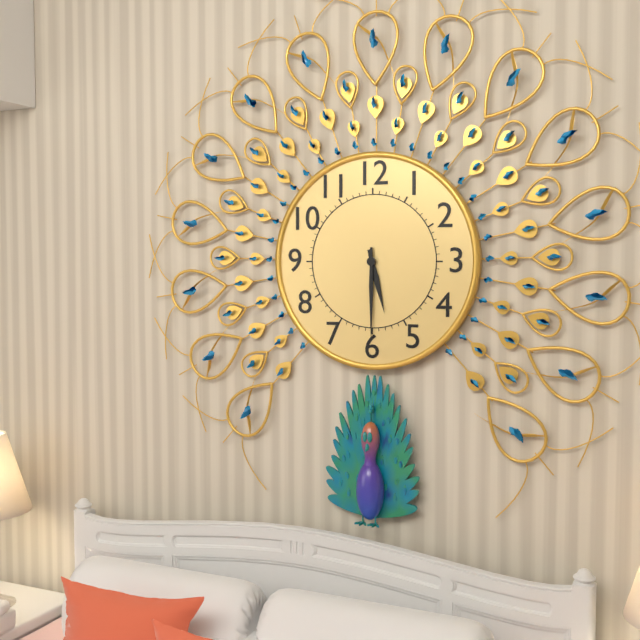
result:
{"hour": 5, "minute": 30}
